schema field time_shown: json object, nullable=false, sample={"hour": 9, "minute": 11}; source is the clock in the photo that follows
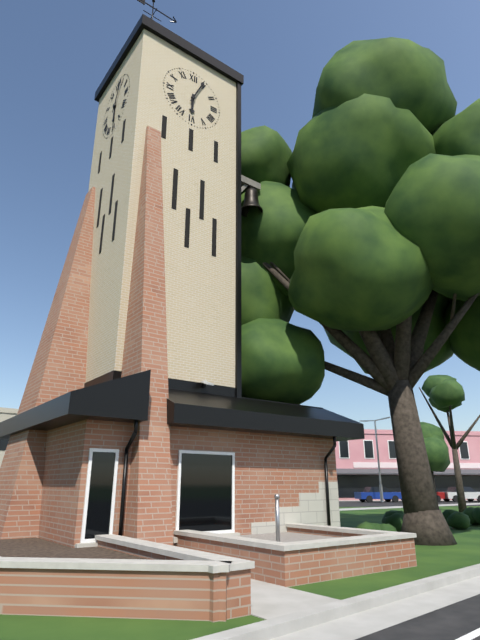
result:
{"hour": 6, "minute": 4}
